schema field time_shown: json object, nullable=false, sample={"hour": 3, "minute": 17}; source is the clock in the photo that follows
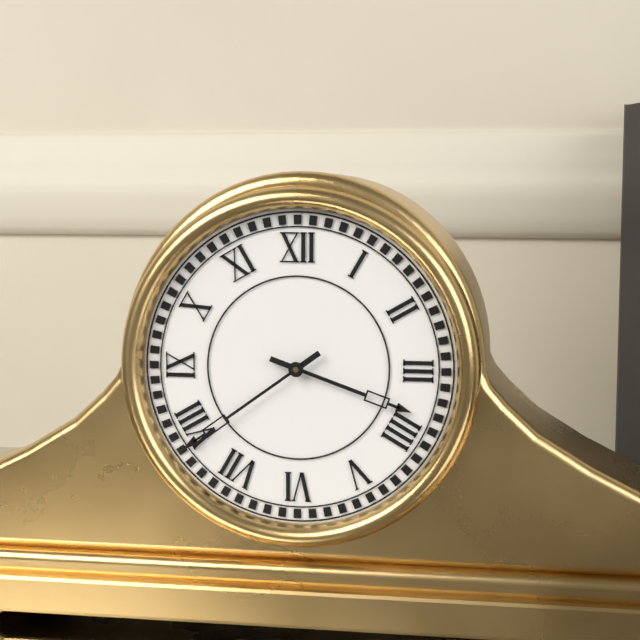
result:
{"hour": 3, "minute": 39}
